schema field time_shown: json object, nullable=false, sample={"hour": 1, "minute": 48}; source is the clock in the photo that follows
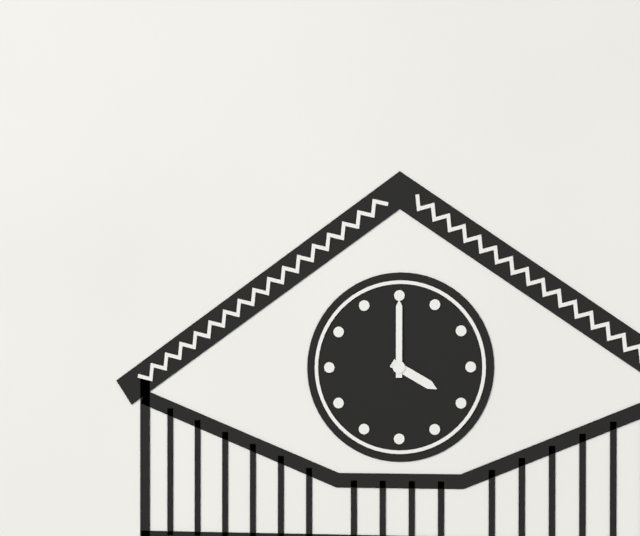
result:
{"hour": 4, "minute": 0}
